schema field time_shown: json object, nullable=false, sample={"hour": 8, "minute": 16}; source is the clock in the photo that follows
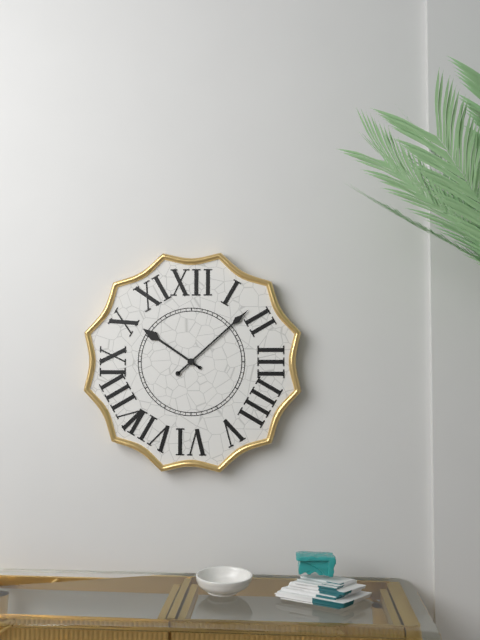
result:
{"hour": 10, "minute": 8}
